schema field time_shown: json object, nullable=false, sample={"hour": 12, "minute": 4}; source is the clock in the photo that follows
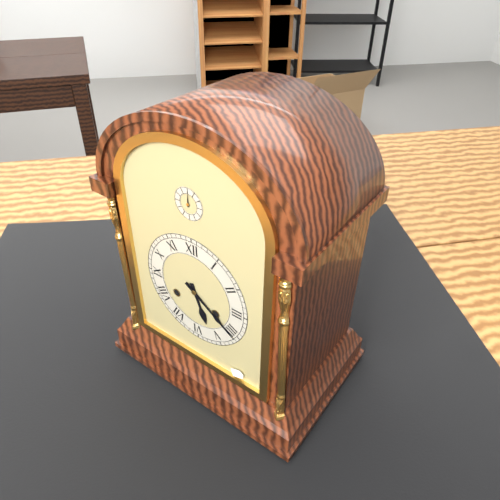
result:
{"hour": 5, "minute": 21}
